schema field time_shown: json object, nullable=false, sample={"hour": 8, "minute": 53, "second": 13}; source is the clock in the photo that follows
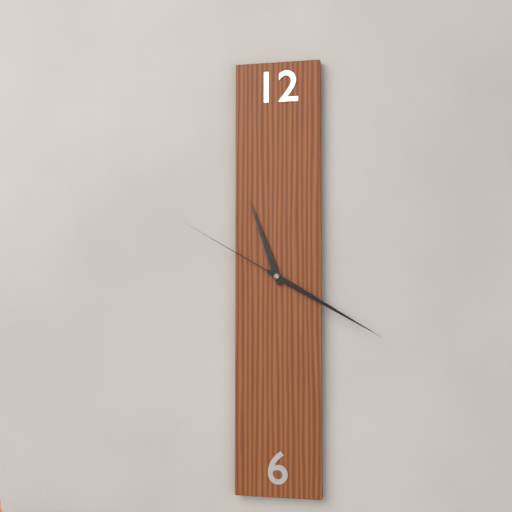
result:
{"hour": 11, "minute": 20, "second": 50}
